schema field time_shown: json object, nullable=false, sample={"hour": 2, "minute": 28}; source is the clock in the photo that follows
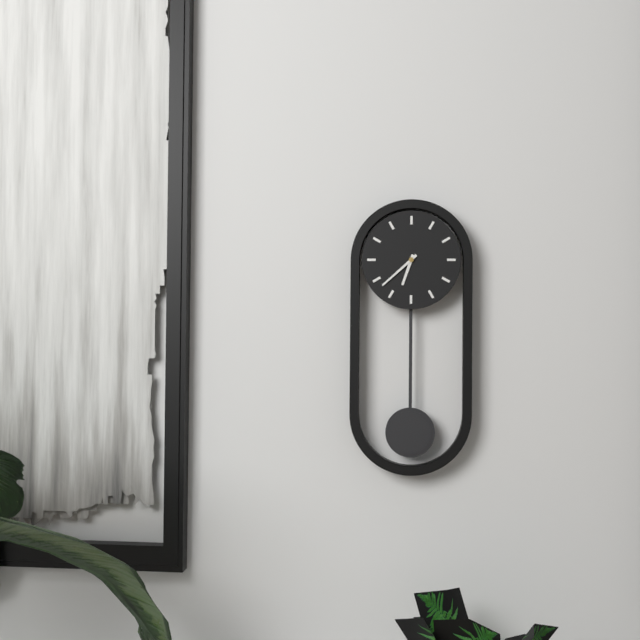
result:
{"hour": 6, "minute": 38}
